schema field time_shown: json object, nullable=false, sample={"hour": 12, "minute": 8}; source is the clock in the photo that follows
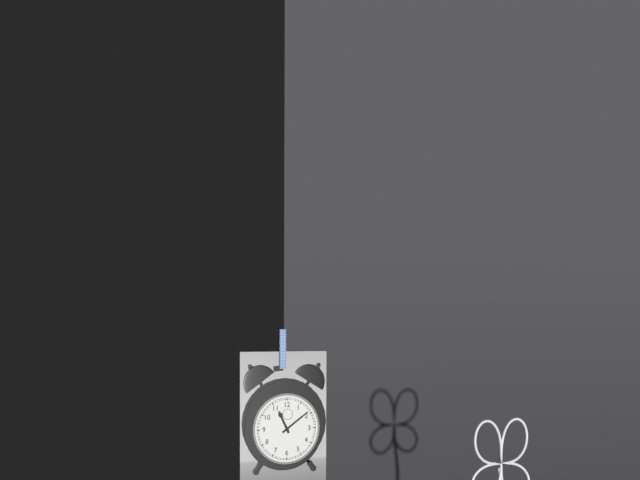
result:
{"hour": 11, "minute": 9}
